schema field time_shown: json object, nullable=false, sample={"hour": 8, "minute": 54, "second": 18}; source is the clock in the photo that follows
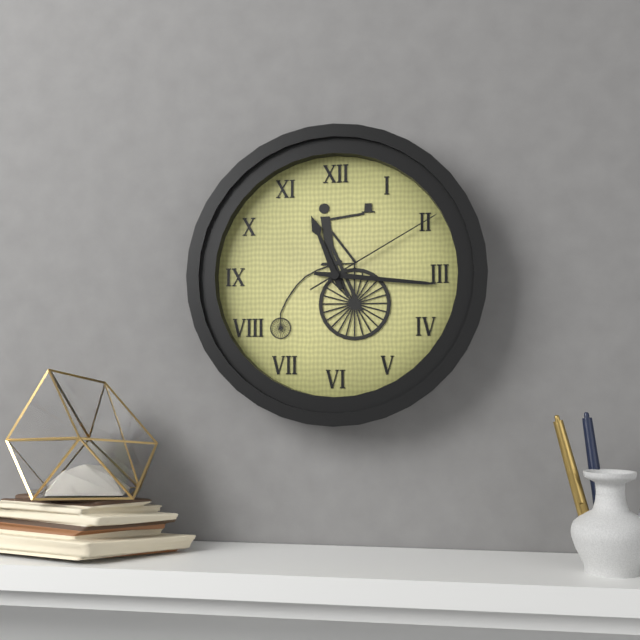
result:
{"hour": 11, "minute": 16, "second": 10}
